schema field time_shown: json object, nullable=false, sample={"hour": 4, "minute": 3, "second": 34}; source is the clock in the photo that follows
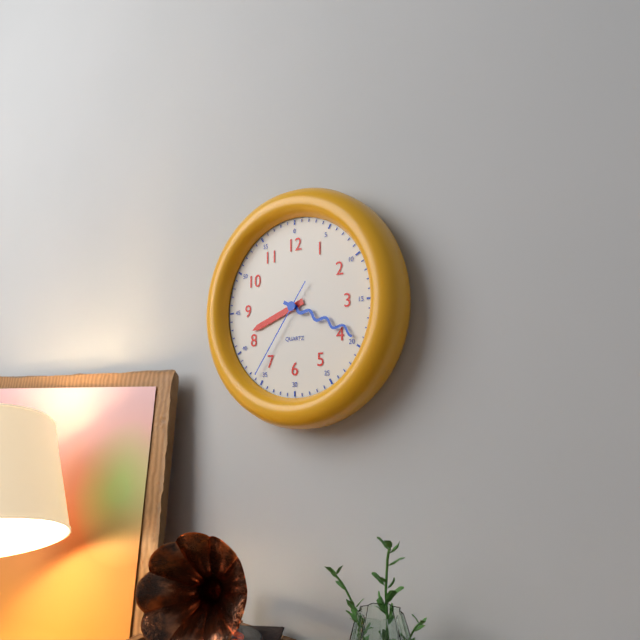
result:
{"hour": 8, "minute": 19, "second": 36}
